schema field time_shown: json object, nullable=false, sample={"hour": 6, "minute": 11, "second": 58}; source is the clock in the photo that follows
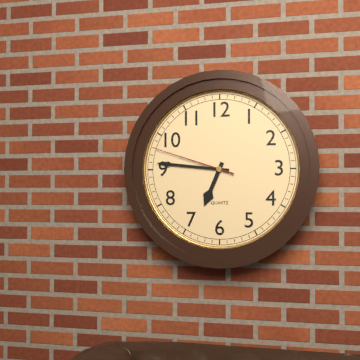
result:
{"hour": 6, "minute": 46, "second": 48}
